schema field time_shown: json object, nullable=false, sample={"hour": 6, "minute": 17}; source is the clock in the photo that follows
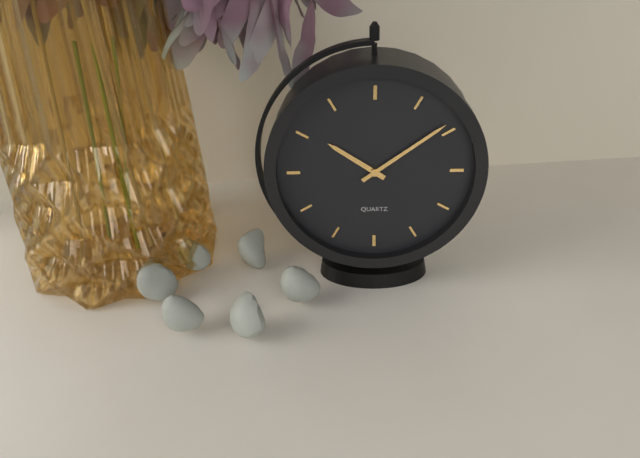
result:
{"hour": 10, "minute": 9}
